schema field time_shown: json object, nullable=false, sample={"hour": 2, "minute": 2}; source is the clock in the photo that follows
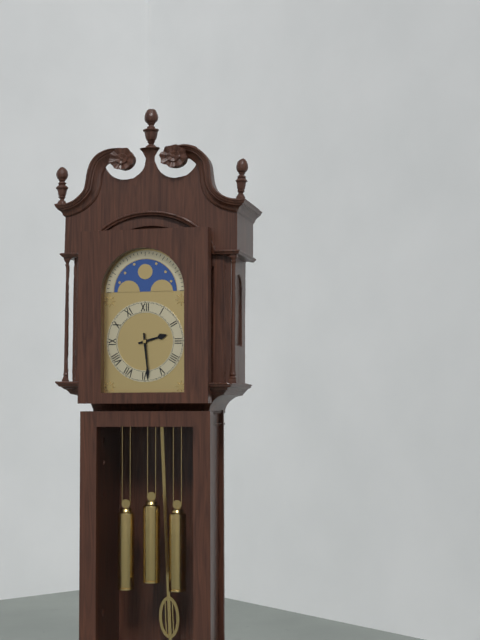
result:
{"hour": 2, "minute": 29}
